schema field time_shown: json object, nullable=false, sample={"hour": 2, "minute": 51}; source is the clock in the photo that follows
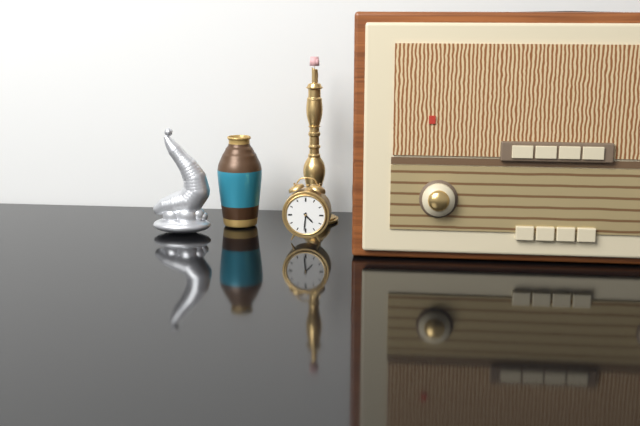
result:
{"hour": 4, "minute": 31}
